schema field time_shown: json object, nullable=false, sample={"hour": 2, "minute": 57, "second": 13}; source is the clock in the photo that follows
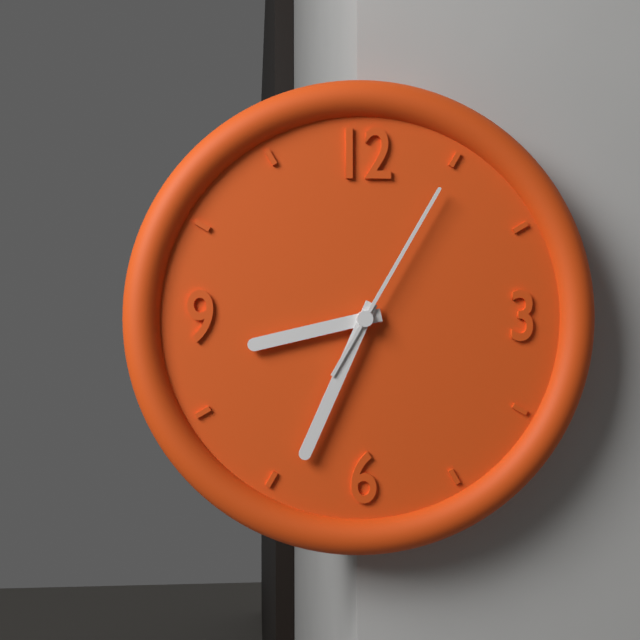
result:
{"hour": 8, "minute": 34, "second": 5}
